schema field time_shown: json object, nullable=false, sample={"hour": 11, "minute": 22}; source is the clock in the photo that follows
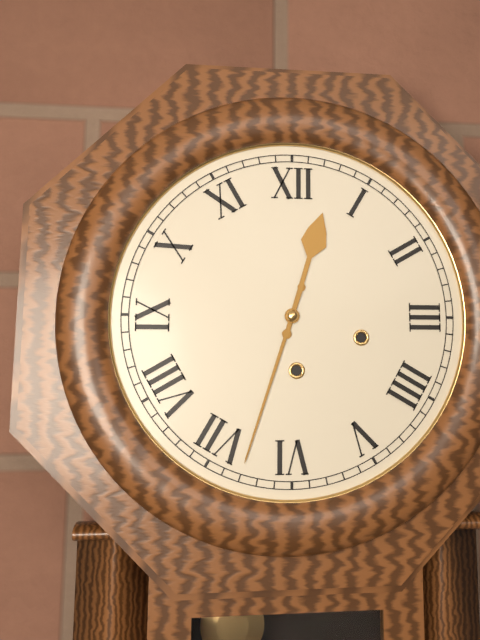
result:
{"hour": 12, "minute": 33}
